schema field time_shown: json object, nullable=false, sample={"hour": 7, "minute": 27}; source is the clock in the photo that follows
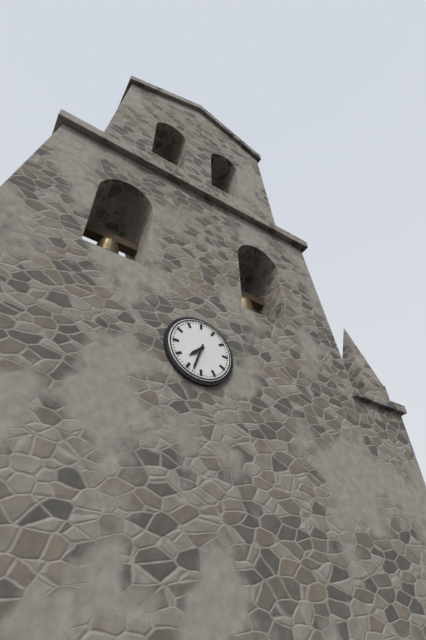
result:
{"hour": 7, "minute": 33}
